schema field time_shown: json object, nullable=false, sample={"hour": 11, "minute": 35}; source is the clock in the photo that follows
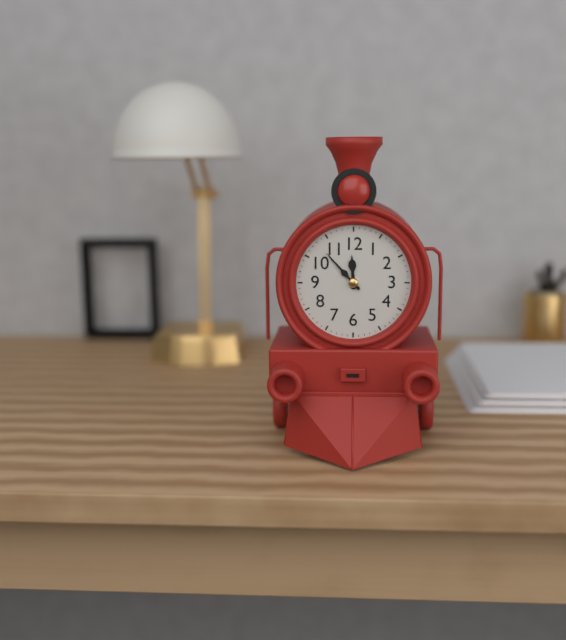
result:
{"hour": 11, "minute": 53}
